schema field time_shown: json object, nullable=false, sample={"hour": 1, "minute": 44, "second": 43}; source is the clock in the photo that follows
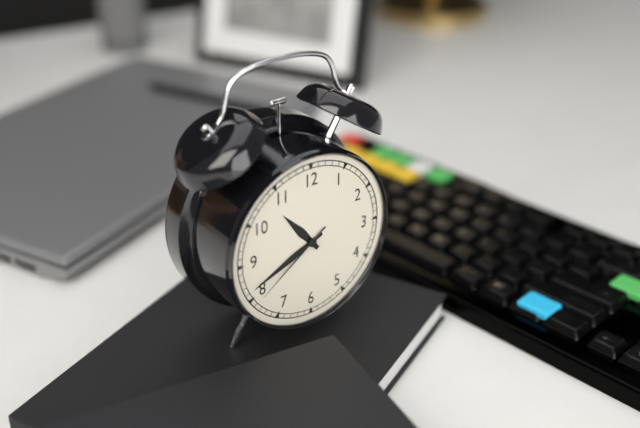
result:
{"hour": 10, "minute": 41, "second": 39}
